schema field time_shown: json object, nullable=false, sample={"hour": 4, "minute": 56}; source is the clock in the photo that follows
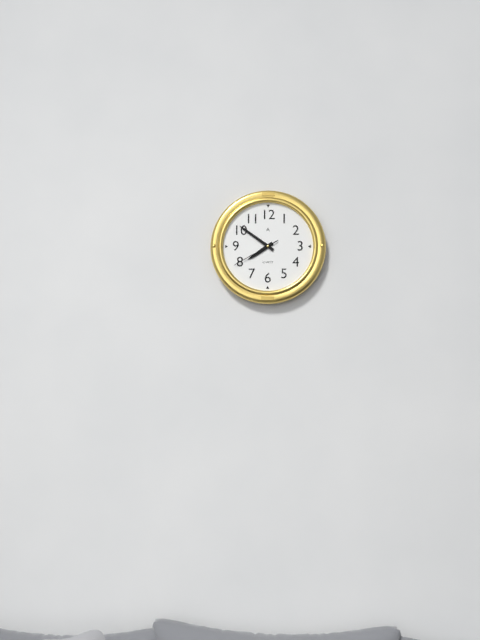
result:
{"hour": 7, "minute": 51}
